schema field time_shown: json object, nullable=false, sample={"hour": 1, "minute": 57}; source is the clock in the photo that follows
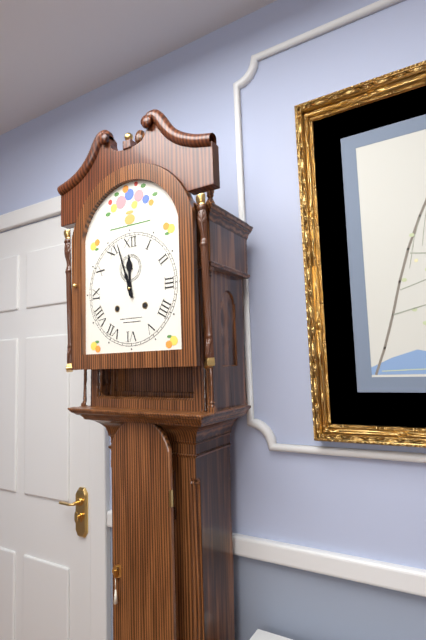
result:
{"hour": 11, "minute": 57}
